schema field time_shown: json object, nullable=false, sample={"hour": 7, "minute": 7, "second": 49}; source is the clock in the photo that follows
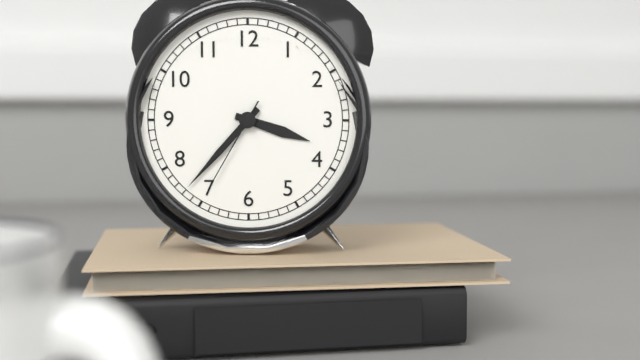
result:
{"hour": 3, "minute": 37, "second": 35}
